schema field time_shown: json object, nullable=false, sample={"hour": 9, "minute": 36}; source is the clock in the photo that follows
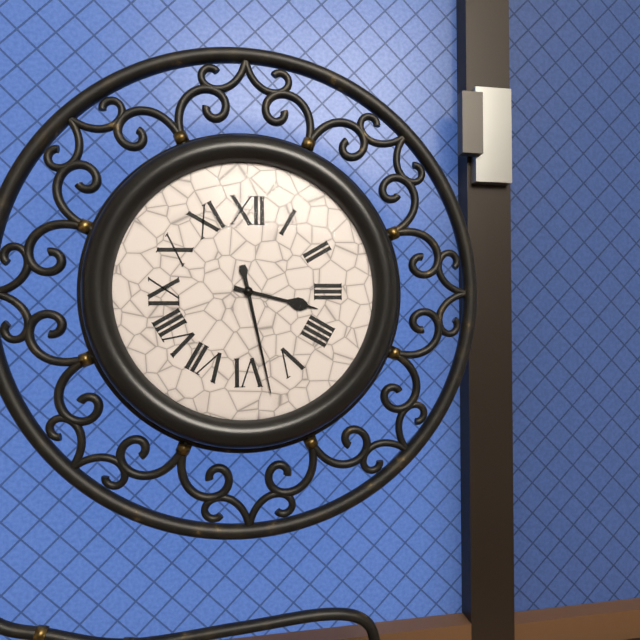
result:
{"hour": 3, "minute": 28}
